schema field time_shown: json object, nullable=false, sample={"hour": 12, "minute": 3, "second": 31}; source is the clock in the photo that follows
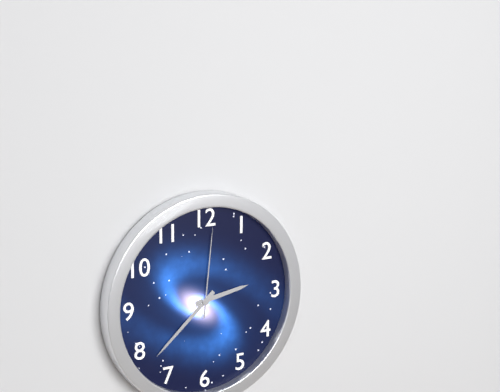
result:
{"hour": 2, "minute": 38, "second": 1}
